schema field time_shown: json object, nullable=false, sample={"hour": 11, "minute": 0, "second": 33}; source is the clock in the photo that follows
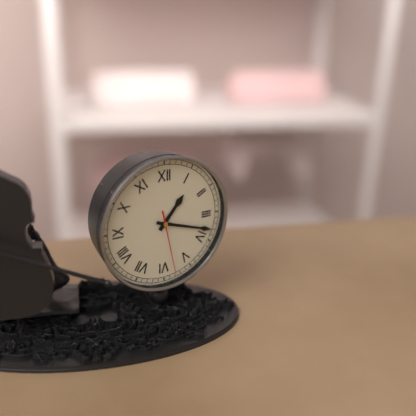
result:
{"hour": 1, "minute": 18, "second": 28}
